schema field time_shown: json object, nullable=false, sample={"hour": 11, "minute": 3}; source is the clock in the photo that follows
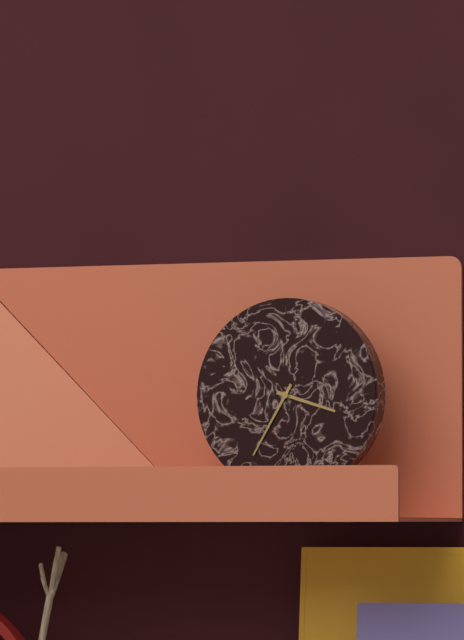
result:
{"hour": 3, "minute": 35}
